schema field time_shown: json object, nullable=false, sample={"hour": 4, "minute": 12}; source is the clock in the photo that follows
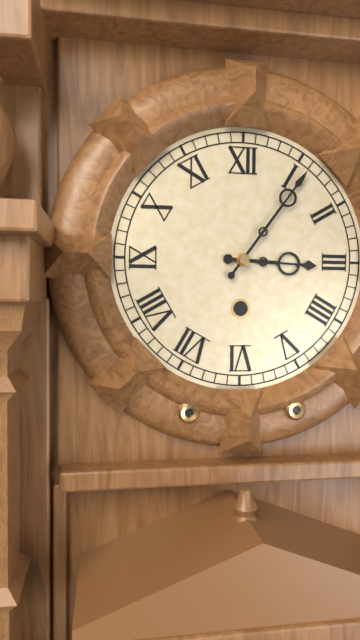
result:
{"hour": 3, "minute": 6}
